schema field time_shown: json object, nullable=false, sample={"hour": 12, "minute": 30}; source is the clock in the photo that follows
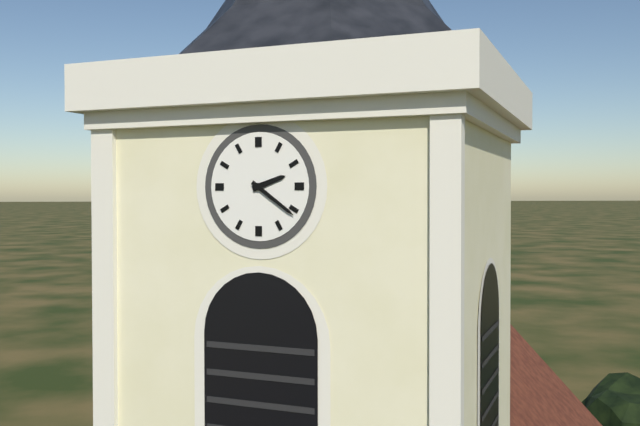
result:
{"hour": 2, "minute": 21}
